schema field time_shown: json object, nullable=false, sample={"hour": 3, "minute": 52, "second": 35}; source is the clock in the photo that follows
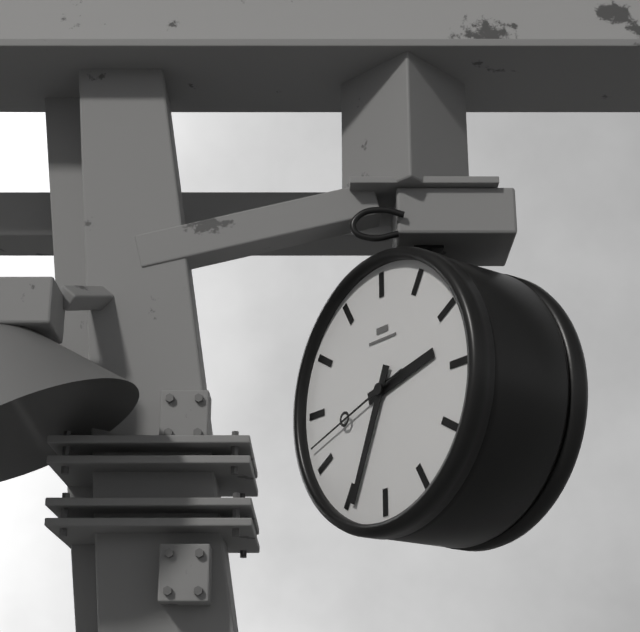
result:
{"hour": 2, "minute": 34, "second": 42}
